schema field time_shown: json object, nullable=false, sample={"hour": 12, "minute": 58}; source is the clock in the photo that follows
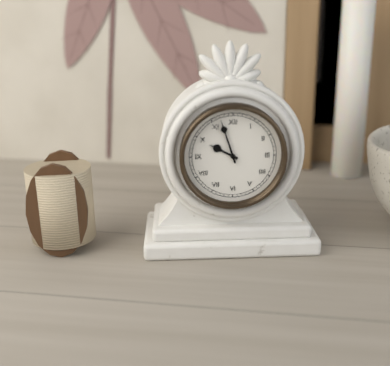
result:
{"hour": 9, "minute": 57}
